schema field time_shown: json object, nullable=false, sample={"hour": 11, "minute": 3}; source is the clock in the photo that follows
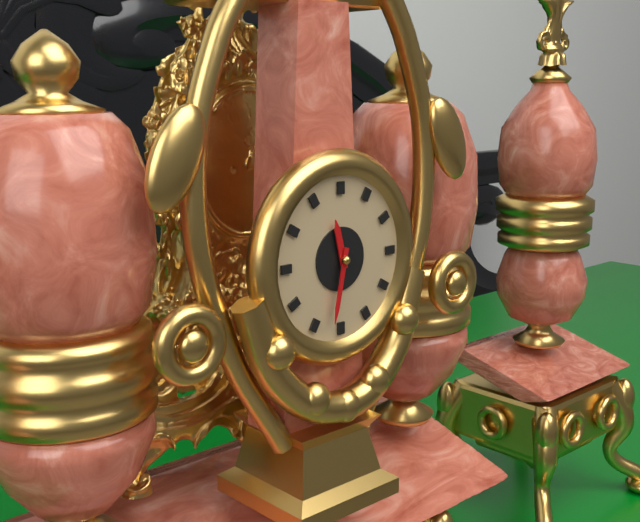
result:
{"hour": 11, "minute": 32}
